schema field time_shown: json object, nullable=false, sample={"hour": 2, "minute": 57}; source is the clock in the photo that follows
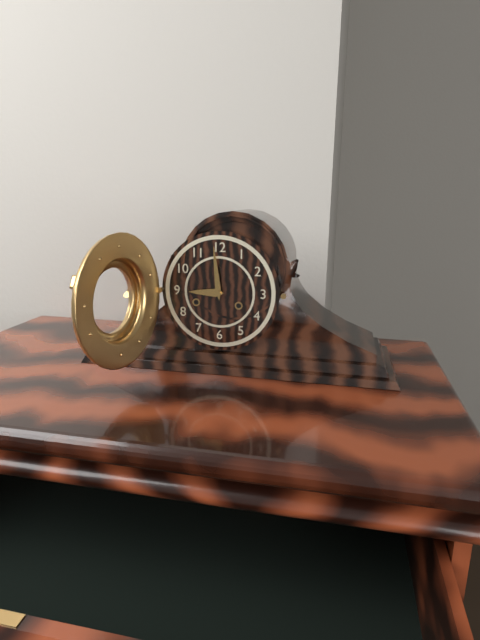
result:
{"hour": 8, "minute": 59}
